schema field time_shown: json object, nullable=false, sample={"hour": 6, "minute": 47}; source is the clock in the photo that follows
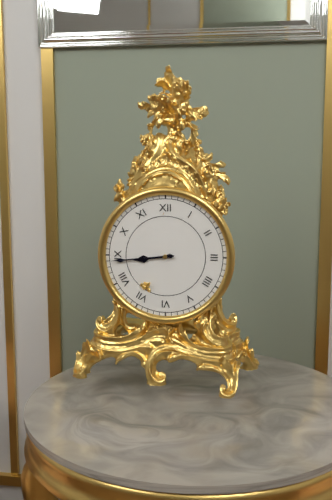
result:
{"hour": 8, "minute": 44}
